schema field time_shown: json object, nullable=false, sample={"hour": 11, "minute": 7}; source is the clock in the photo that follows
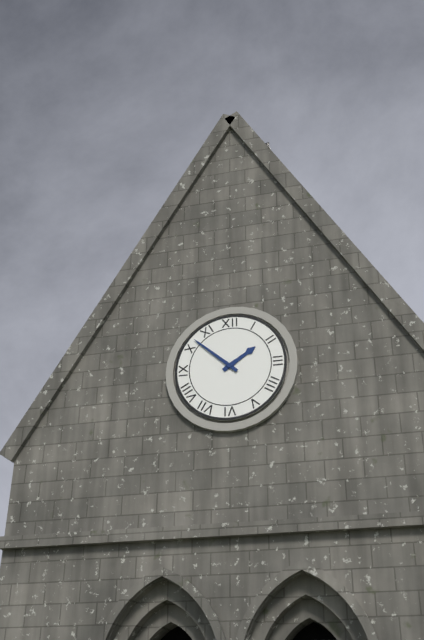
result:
{"hour": 1, "minute": 52}
